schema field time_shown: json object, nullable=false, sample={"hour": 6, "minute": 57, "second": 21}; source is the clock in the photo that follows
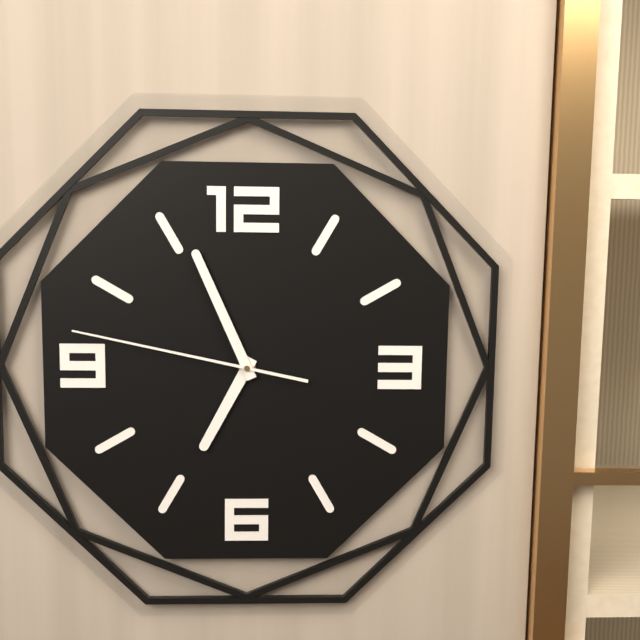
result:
{"hour": 6, "minute": 56, "second": 47}
